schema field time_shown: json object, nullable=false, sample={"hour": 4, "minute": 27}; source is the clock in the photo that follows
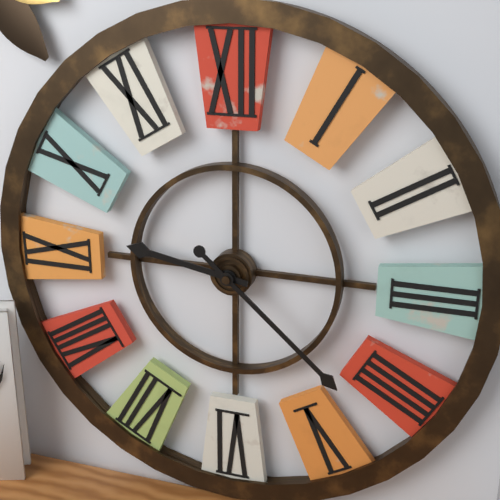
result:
{"hour": 9, "minute": 22}
